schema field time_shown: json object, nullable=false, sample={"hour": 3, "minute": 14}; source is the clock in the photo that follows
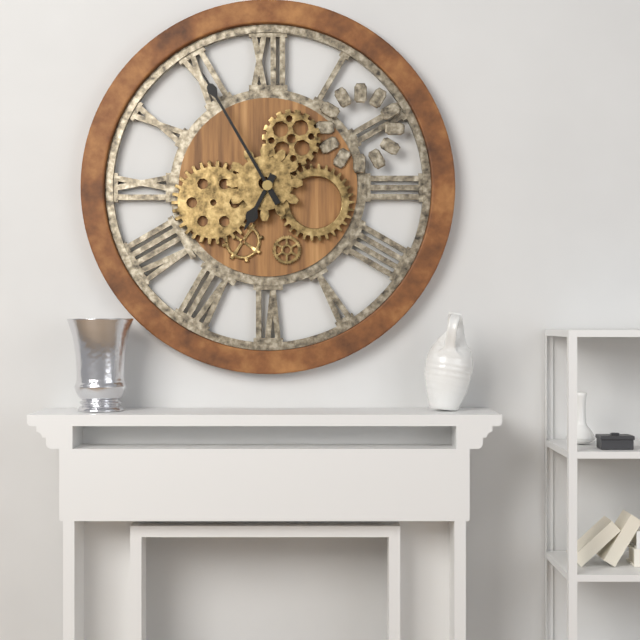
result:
{"hour": 6, "minute": 55}
